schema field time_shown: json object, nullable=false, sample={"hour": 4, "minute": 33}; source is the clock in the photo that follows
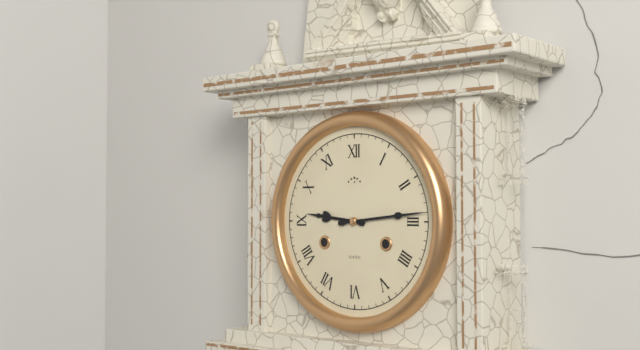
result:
{"hour": 9, "minute": 14}
